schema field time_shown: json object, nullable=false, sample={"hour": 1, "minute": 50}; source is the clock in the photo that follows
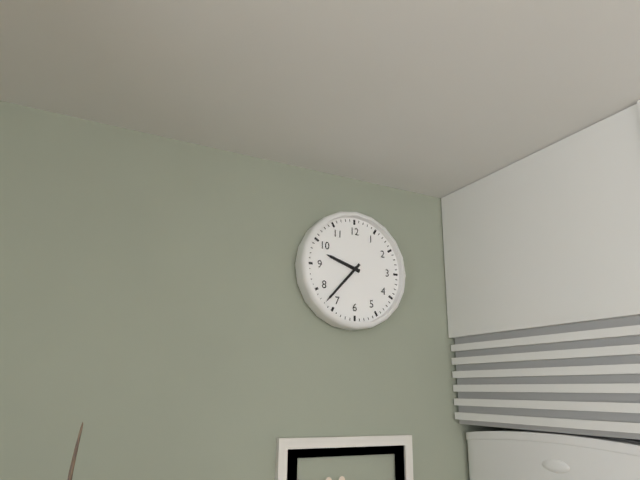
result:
{"hour": 9, "minute": 37}
